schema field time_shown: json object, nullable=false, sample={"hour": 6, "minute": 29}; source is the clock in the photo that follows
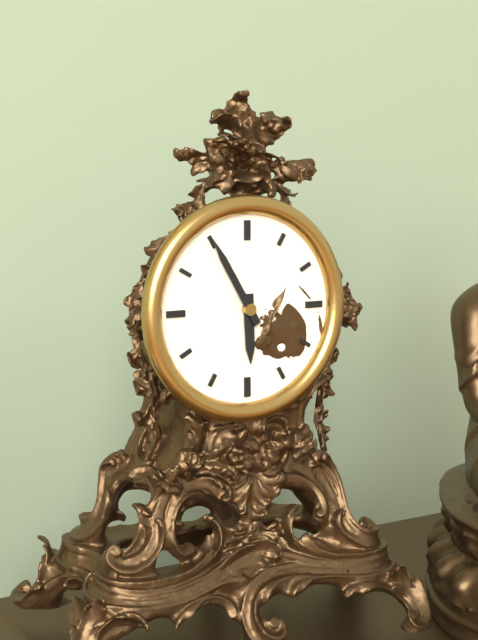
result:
{"hour": 5, "minute": 55}
